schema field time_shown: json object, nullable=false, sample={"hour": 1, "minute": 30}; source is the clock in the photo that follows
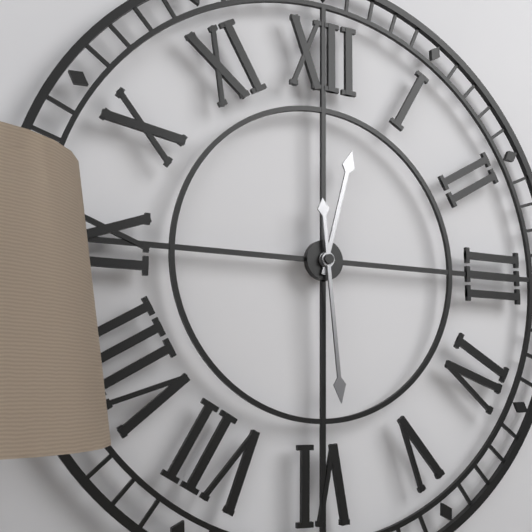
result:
{"hour": 12, "minute": 29}
